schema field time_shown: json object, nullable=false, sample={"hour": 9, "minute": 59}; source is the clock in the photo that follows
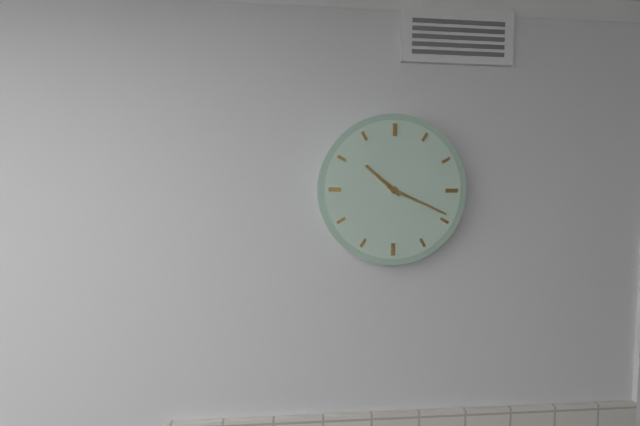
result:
{"hour": 10, "minute": 19}
